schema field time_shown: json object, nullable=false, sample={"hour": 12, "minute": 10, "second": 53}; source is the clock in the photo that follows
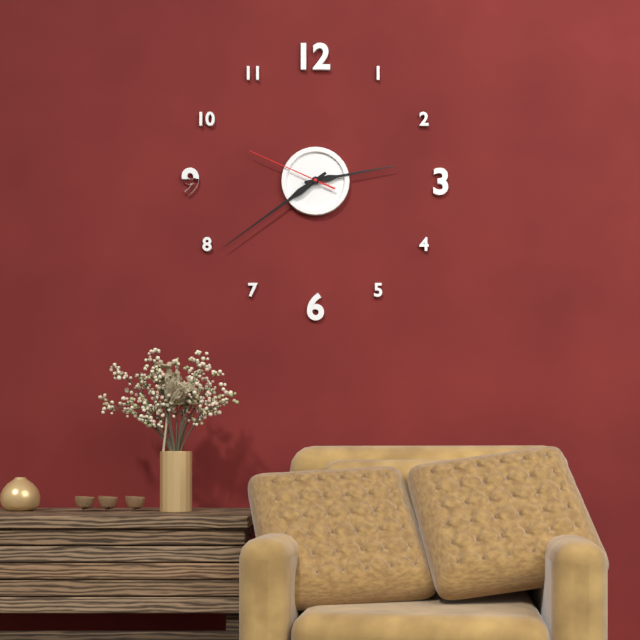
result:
{"hour": 2, "minute": 39, "second": 49}
